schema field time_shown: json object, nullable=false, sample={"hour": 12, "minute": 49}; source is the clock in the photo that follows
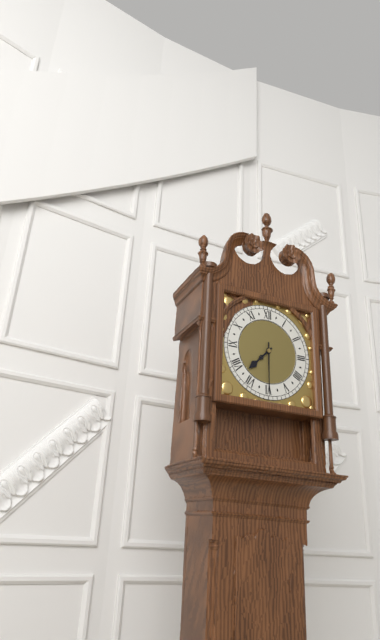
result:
{"hour": 7, "minute": 30}
